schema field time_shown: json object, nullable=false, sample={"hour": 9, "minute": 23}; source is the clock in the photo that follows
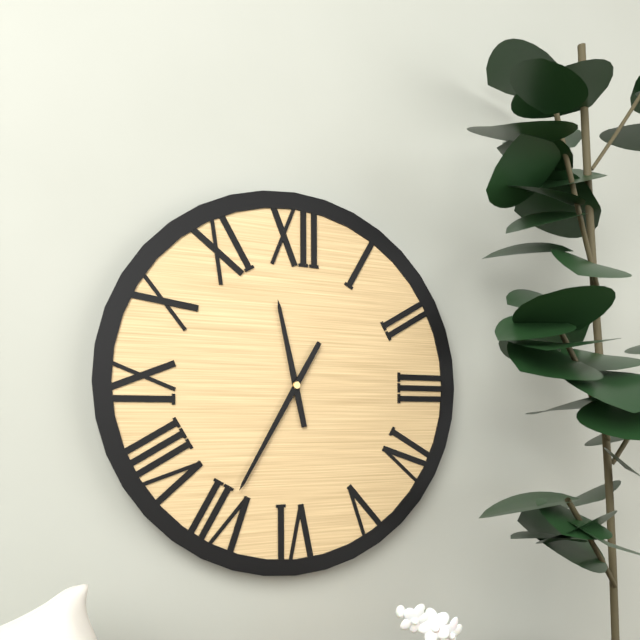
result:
{"hour": 11, "minute": 35}
